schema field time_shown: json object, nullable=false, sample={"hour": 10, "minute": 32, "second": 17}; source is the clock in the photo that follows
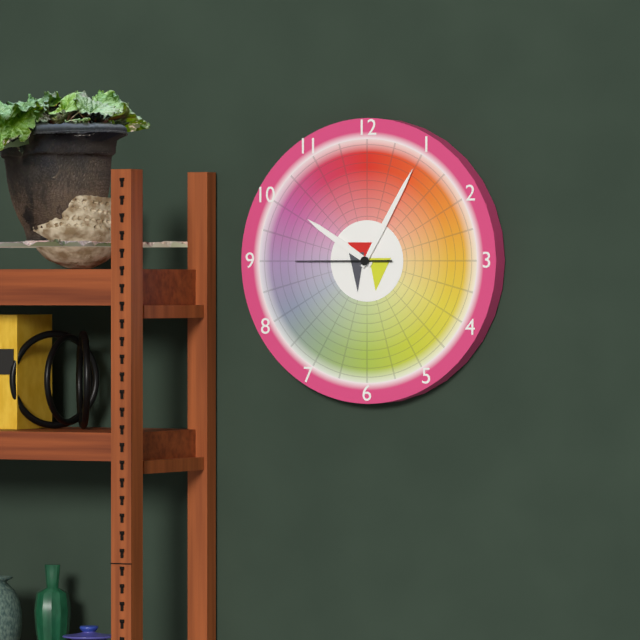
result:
{"hour": 10, "minute": 5, "second": 45}
